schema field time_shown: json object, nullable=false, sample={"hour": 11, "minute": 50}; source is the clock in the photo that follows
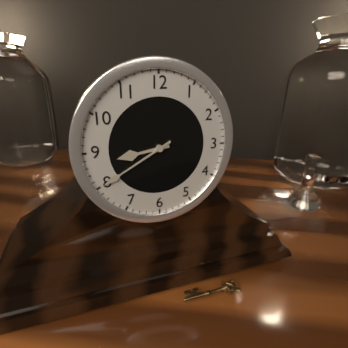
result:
{"hour": 8, "minute": 40}
